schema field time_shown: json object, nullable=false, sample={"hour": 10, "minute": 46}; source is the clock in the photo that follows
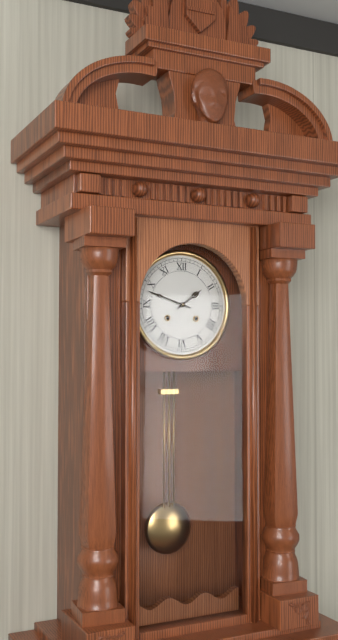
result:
{"hour": 1, "minute": 48}
